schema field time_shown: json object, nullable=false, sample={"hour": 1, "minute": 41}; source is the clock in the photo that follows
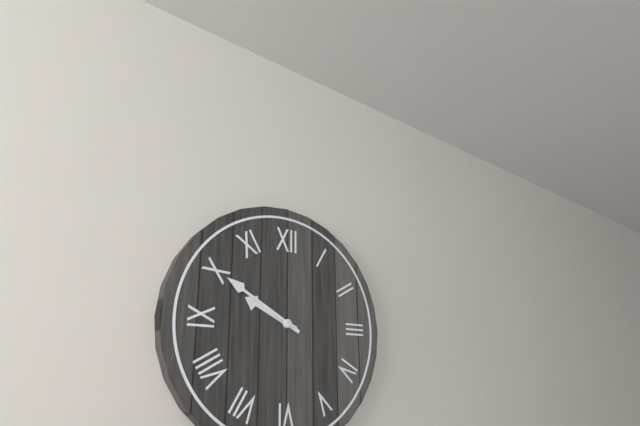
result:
{"hour": 9, "minute": 50}
